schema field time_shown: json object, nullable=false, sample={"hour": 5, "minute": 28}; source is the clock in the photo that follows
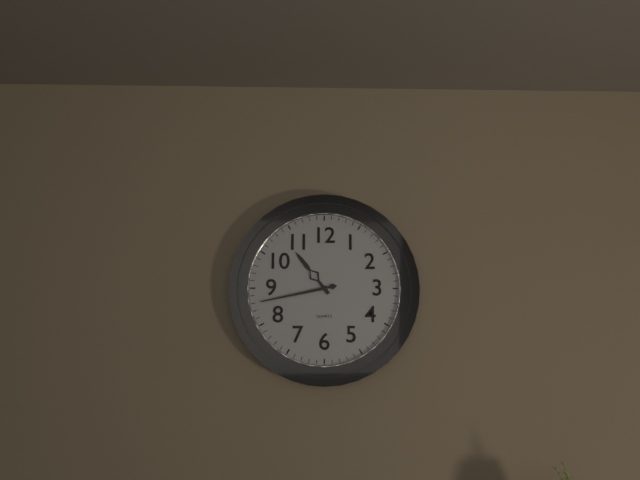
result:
{"hour": 10, "minute": 43}
